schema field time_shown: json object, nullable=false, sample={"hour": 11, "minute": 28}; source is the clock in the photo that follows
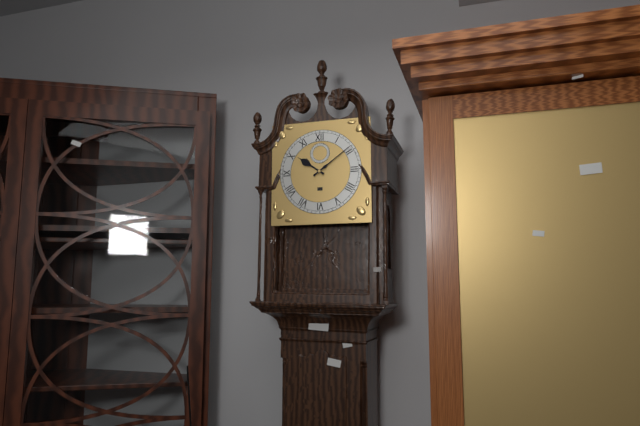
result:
{"hour": 10, "minute": 9}
